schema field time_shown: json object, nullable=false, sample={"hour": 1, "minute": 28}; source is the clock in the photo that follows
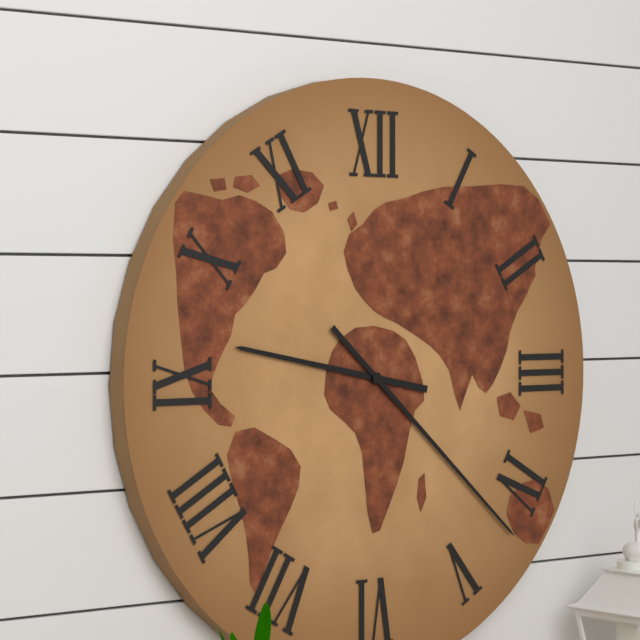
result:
{"hour": 9, "minute": 22}
